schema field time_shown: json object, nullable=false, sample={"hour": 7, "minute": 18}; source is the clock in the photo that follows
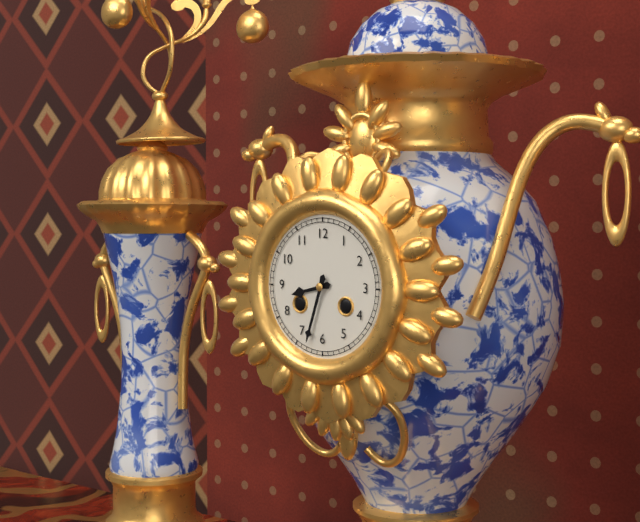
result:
{"hour": 8, "minute": 33}
